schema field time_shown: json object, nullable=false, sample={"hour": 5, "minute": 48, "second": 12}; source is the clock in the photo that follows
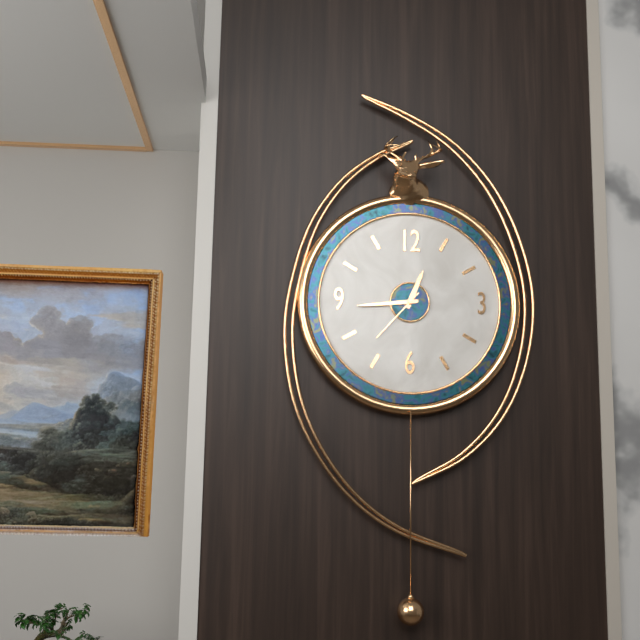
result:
{"hour": 12, "minute": 44, "second": 37}
